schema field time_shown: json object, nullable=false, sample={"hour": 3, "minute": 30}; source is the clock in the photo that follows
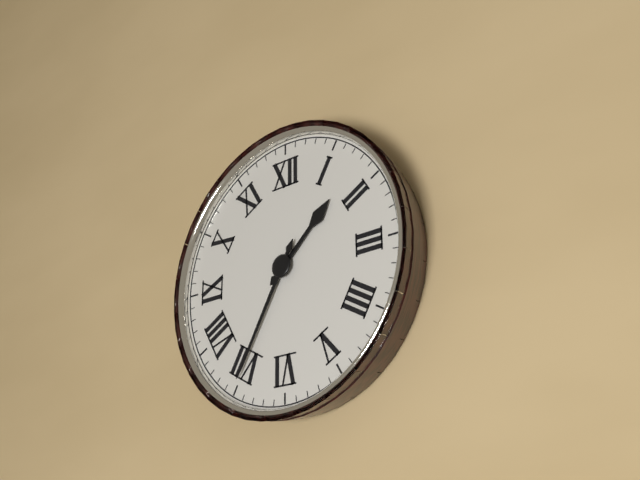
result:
{"hour": 1, "minute": 35}
